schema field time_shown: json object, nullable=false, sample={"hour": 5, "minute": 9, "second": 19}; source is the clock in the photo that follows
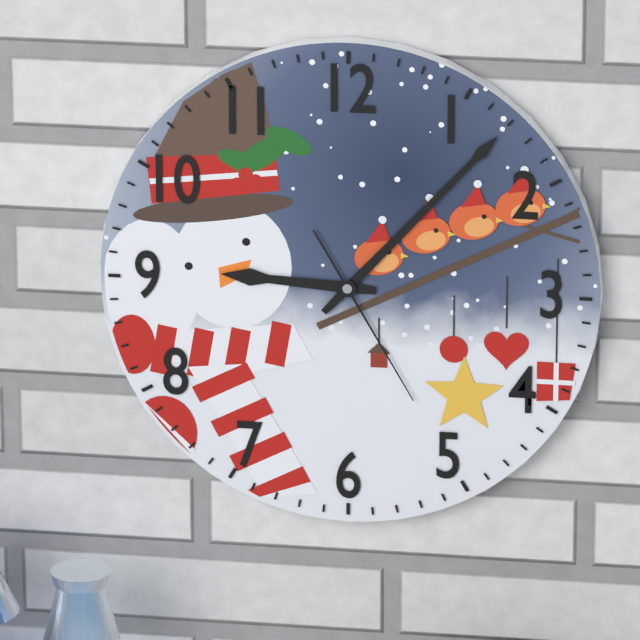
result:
{"hour": 9, "minute": 7, "second": 25}
